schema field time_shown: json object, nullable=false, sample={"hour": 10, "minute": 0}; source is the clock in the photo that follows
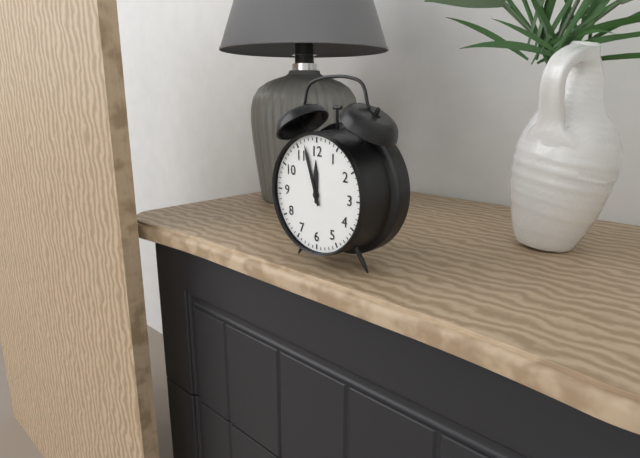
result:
{"hour": 11, "minute": 57}
